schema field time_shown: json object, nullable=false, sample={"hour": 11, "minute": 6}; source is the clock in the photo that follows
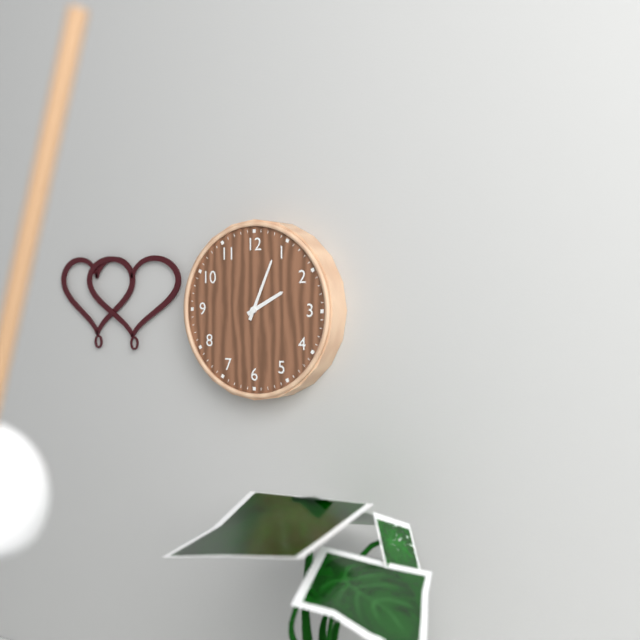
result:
{"hour": 2, "minute": 4}
